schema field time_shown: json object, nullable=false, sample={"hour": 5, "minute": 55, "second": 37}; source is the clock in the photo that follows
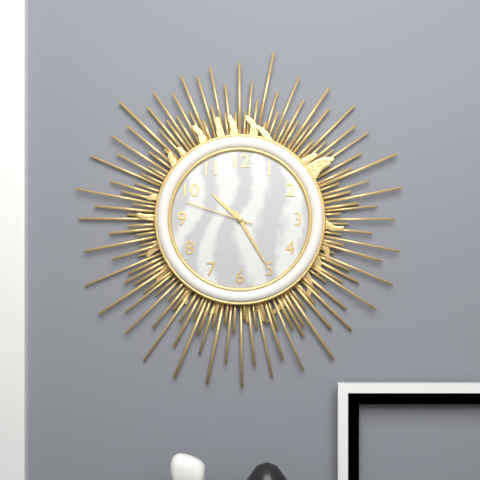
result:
{"hour": 10, "minute": 25, "second": 48}
